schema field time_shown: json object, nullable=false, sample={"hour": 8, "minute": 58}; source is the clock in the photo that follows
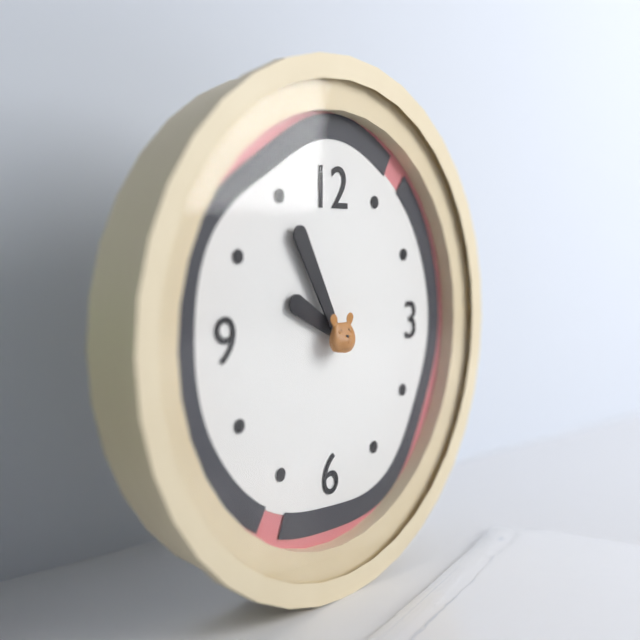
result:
{"hour": 9, "minute": 55}
